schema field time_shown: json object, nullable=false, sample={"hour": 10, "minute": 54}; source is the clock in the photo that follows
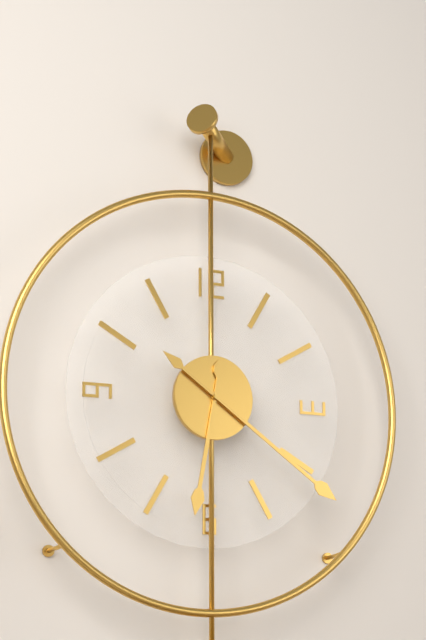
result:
{"hour": 6, "minute": 21}
